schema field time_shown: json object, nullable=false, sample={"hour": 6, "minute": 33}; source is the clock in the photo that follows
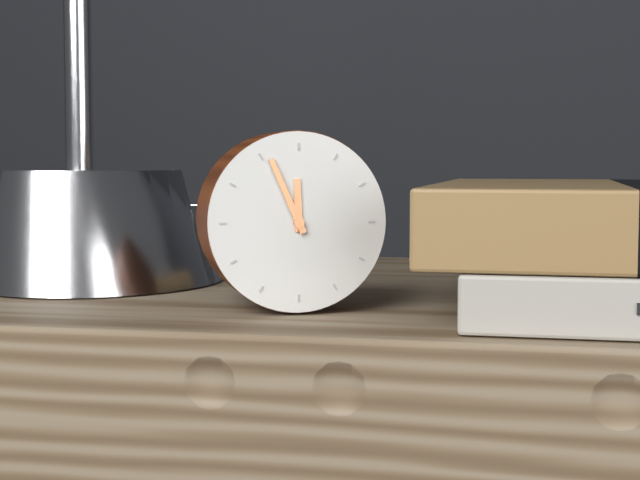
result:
{"hour": 11, "minute": 56}
